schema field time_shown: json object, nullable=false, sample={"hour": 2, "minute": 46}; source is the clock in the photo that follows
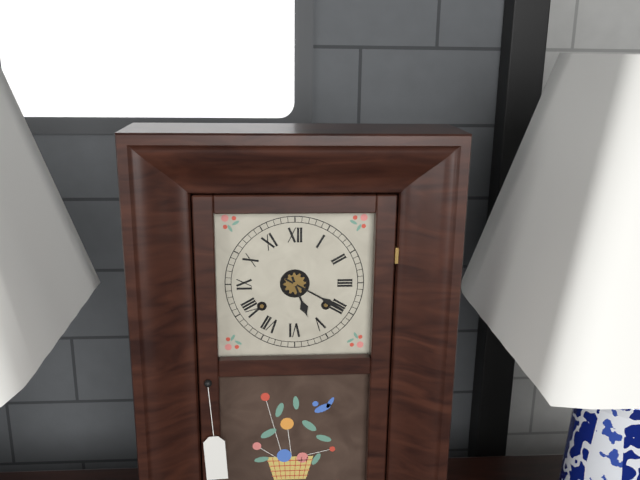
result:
{"hour": 5, "minute": 20}
